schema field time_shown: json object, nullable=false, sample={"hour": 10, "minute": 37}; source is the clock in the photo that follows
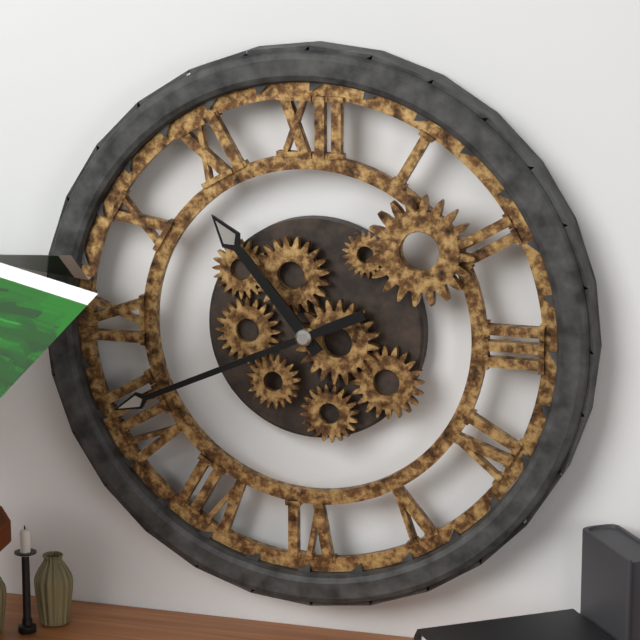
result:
{"hour": 10, "minute": 41}
